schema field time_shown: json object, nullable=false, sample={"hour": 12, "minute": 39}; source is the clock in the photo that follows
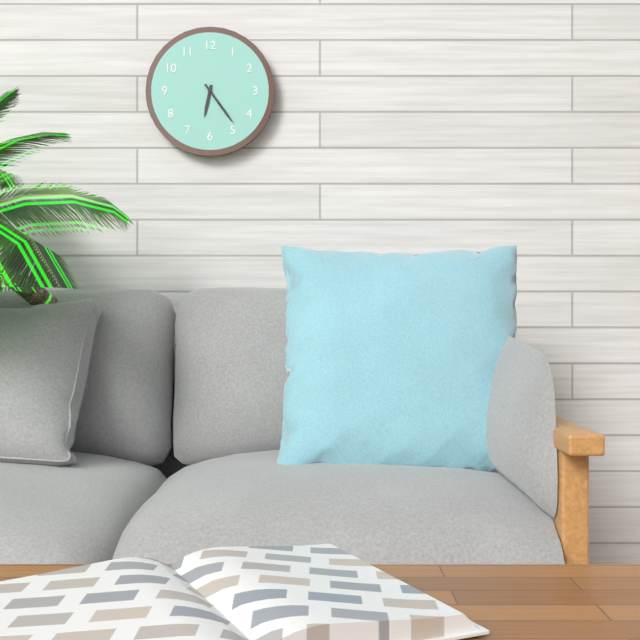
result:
{"hour": 6, "minute": 24}
